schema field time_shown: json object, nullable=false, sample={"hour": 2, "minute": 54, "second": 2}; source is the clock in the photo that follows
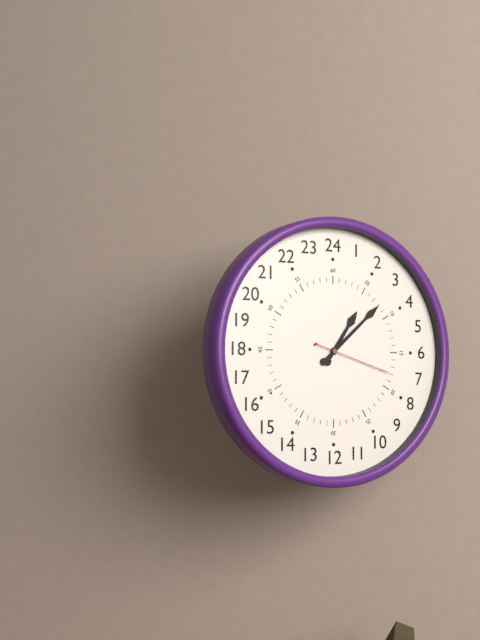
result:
{"hour": 1, "minute": 8, "second": 18}
